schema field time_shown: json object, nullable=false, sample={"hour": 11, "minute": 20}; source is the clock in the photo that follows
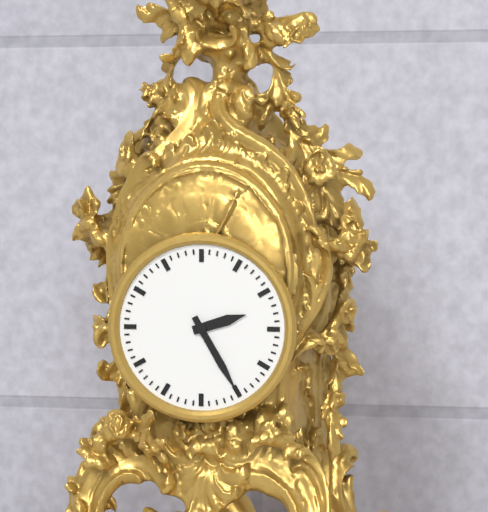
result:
{"hour": 2, "minute": 25}
